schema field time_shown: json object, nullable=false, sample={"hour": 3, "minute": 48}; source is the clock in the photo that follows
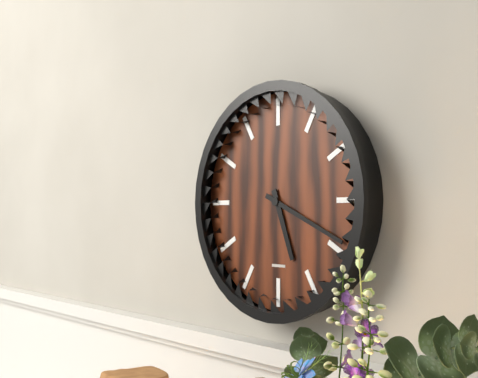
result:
{"hour": 5, "minute": 19}
